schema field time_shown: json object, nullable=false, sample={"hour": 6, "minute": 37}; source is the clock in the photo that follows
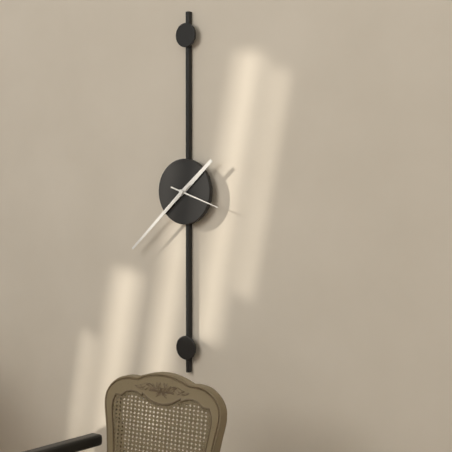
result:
{"hour": 1, "minute": 38}
